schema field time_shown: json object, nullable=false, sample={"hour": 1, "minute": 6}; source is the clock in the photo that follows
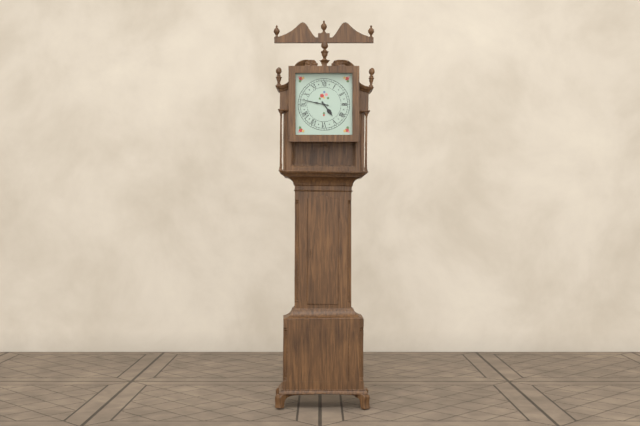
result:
{"hour": 4, "minute": 47}
